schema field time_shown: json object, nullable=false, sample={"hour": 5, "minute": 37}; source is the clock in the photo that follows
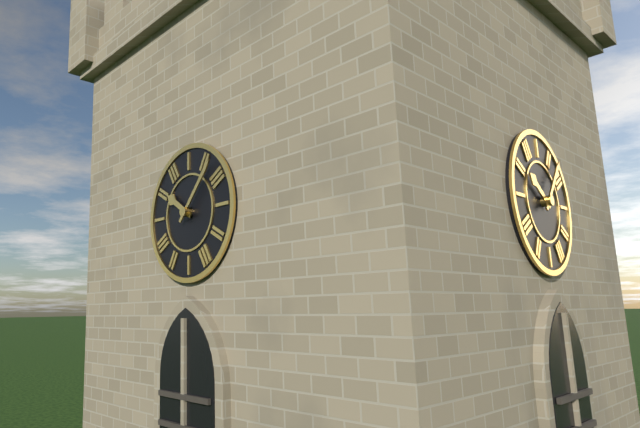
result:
{"hour": 10, "minute": 7}
